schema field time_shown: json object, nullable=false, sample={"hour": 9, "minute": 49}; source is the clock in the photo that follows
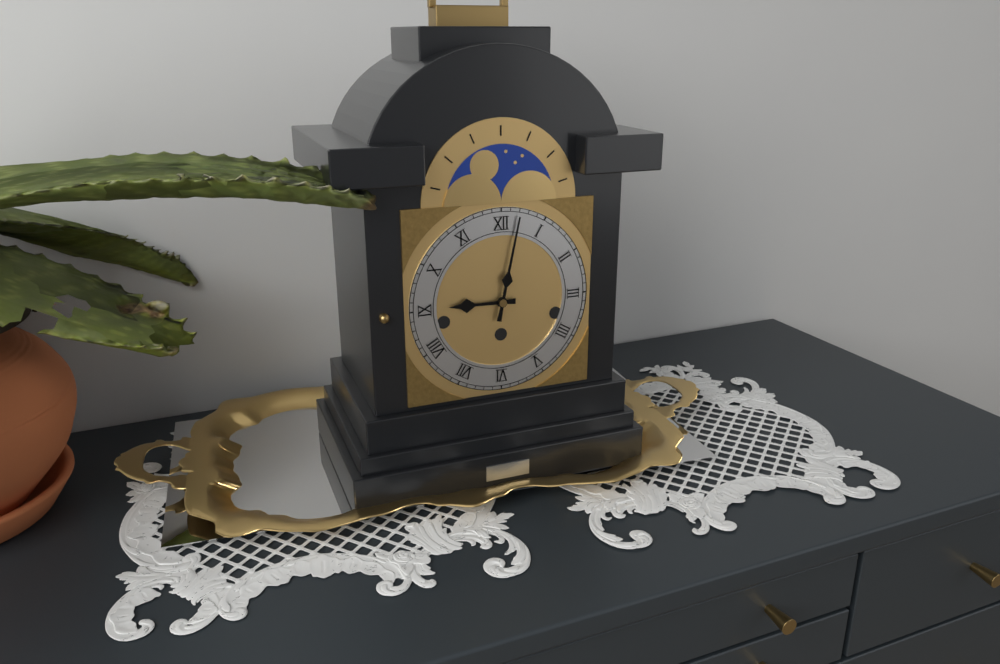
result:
{"hour": 9, "minute": 2}
